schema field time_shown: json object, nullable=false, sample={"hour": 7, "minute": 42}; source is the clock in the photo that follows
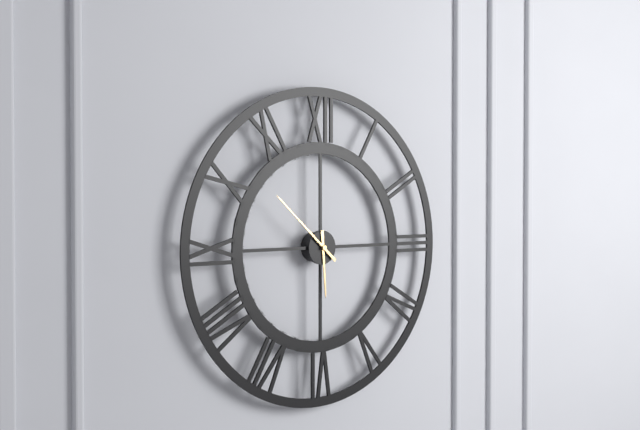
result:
{"hour": 5, "minute": 52}
